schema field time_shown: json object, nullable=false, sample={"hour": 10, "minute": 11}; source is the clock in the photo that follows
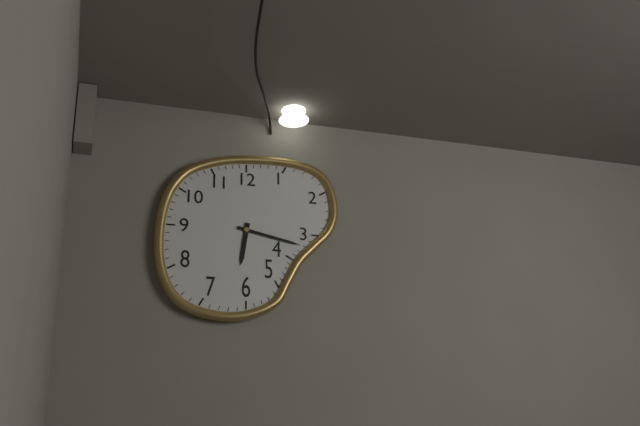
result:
{"hour": 6, "minute": 17}
